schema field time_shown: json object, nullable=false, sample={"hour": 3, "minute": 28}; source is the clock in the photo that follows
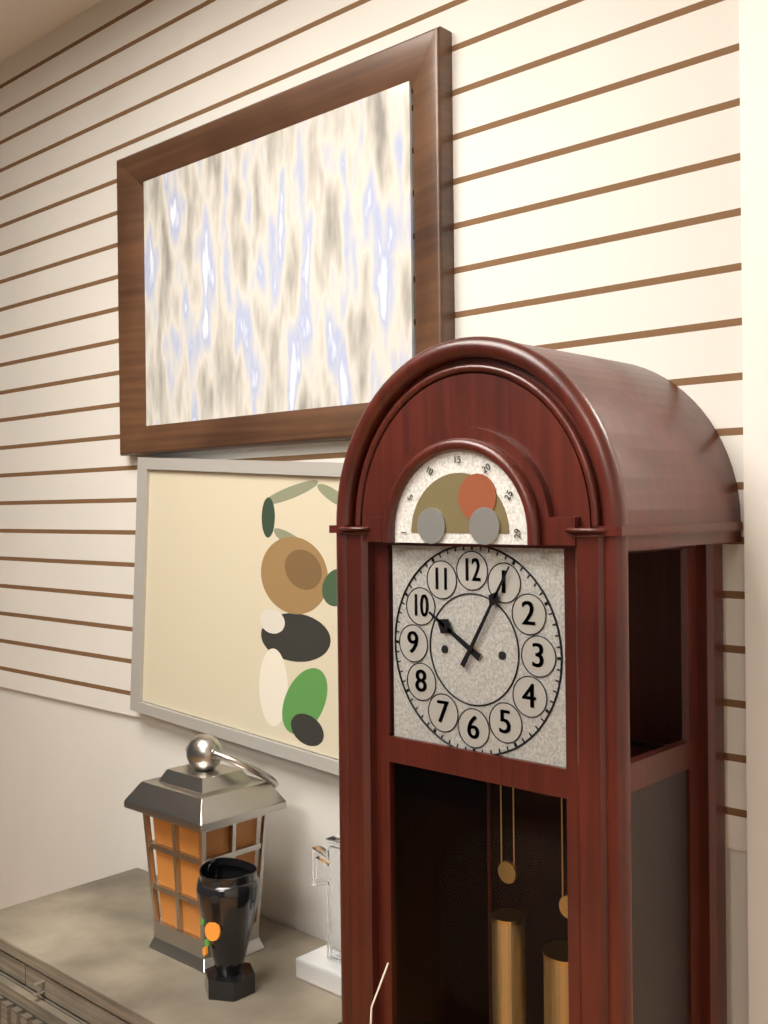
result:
{"hour": 10, "minute": 5}
